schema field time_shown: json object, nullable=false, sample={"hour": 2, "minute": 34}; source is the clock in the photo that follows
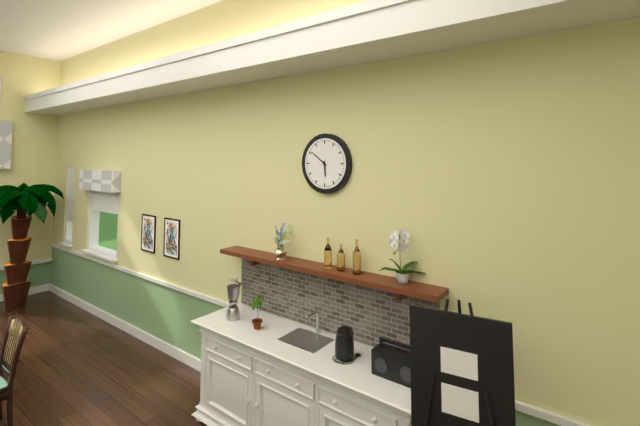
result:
{"hour": 5, "minute": 51}
